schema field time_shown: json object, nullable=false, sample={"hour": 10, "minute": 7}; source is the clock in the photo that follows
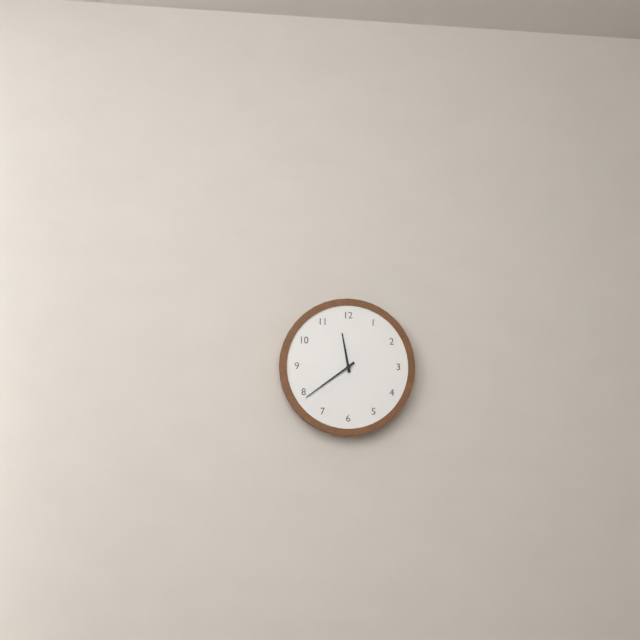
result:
{"hour": 11, "minute": 39}
